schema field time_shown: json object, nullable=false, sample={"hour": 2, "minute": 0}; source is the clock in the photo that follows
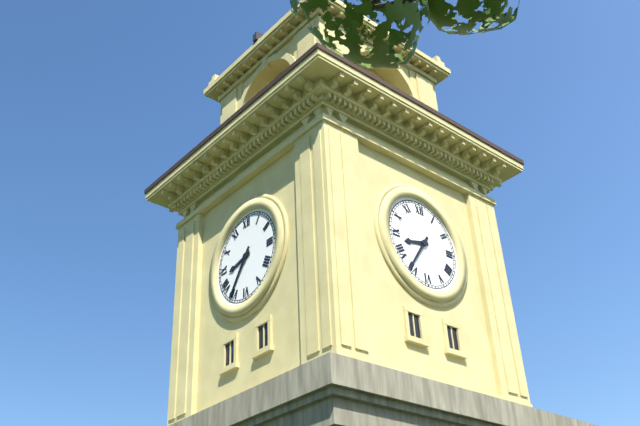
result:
{"hour": 8, "minute": 36}
